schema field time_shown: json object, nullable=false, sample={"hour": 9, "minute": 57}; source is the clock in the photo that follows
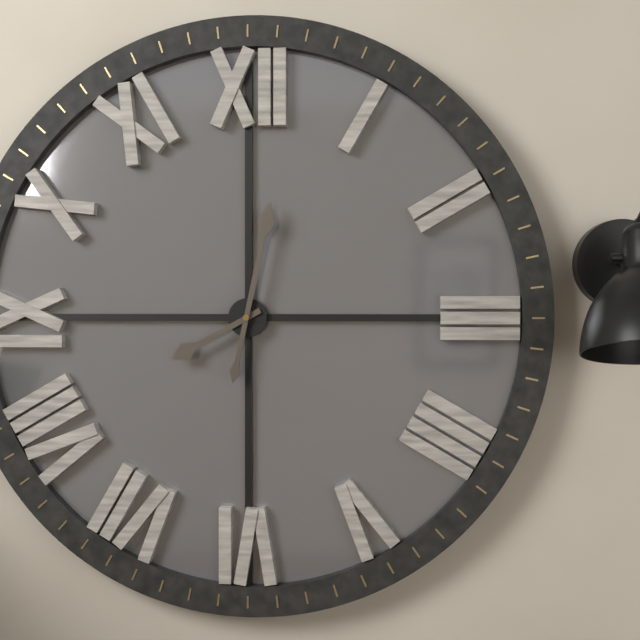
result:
{"hour": 8, "minute": 2}
